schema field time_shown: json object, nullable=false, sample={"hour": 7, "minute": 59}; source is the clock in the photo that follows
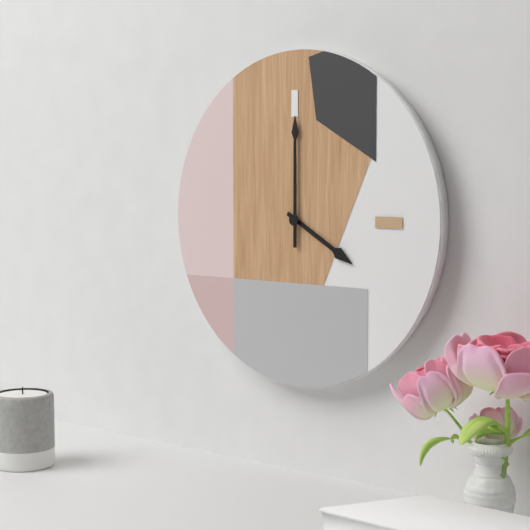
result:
{"hour": 4, "minute": 0}
